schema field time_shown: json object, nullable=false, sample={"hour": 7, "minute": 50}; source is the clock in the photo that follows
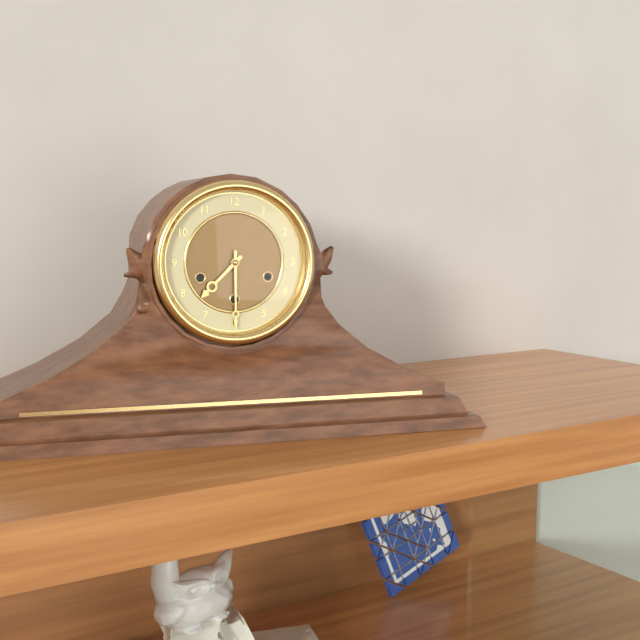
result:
{"hour": 7, "minute": 30}
